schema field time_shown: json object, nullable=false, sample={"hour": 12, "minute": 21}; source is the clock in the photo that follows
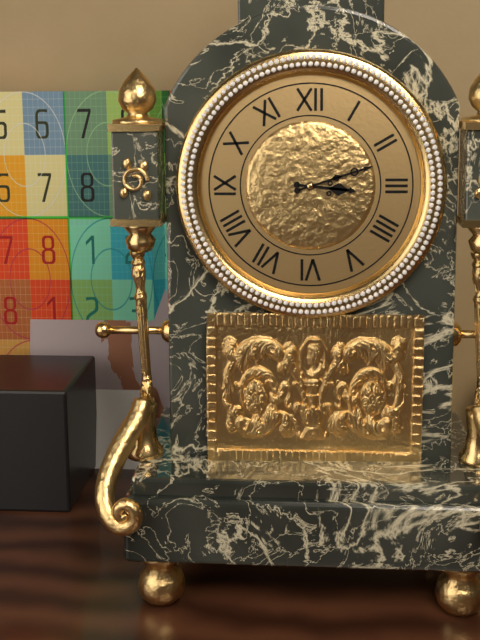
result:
{"hour": 3, "minute": 12}
